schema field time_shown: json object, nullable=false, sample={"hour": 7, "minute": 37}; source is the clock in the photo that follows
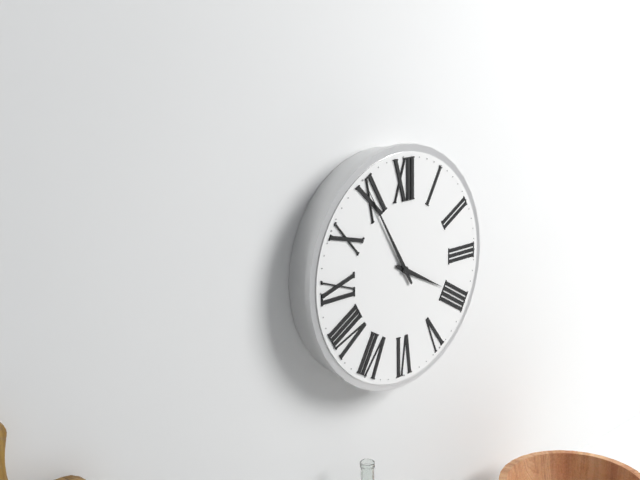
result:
{"hour": 3, "minute": 55}
